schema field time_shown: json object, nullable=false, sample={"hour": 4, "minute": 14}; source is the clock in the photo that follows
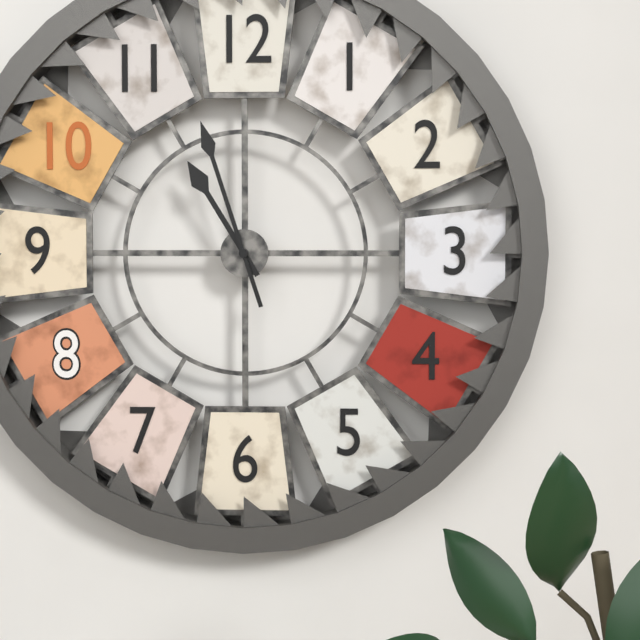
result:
{"hour": 10, "minute": 57}
